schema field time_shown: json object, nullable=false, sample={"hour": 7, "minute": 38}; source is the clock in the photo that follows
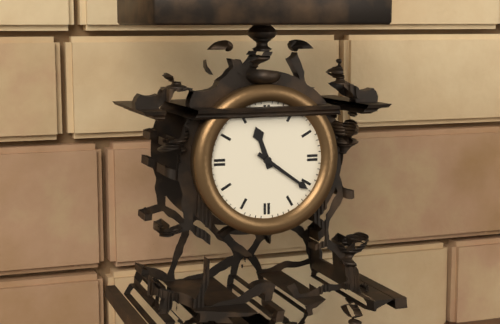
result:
{"hour": 11, "minute": 21}
